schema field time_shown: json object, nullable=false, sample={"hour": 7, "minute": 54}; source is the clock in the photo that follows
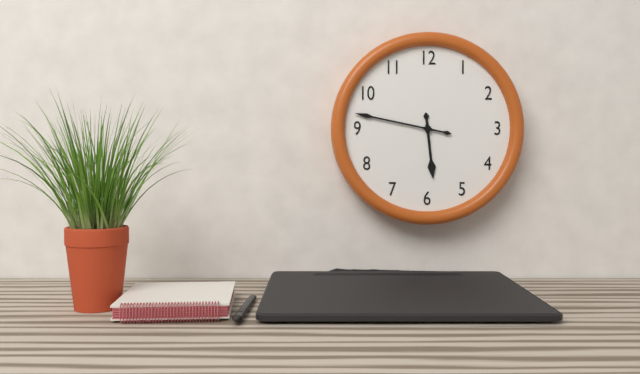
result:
{"hour": 5, "minute": 47}
